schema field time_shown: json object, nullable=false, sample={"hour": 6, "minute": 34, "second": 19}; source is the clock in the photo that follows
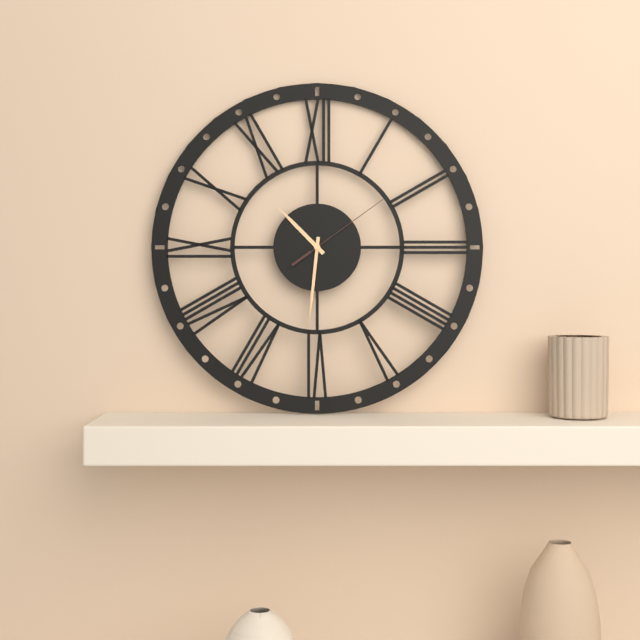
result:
{"hour": 10, "minute": 31, "second": 9}
